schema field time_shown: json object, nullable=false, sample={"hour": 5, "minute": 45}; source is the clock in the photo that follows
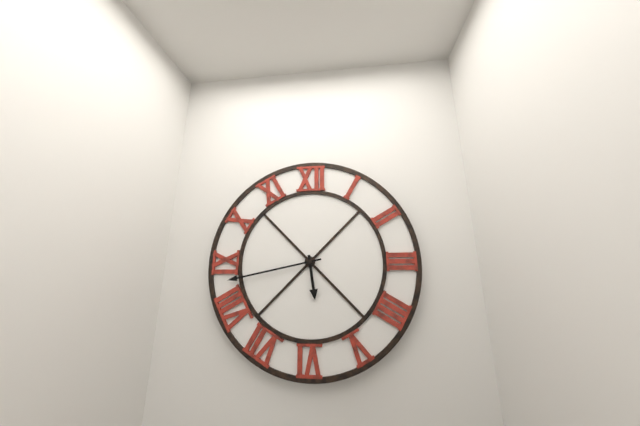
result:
{"hour": 5, "minute": 43}
